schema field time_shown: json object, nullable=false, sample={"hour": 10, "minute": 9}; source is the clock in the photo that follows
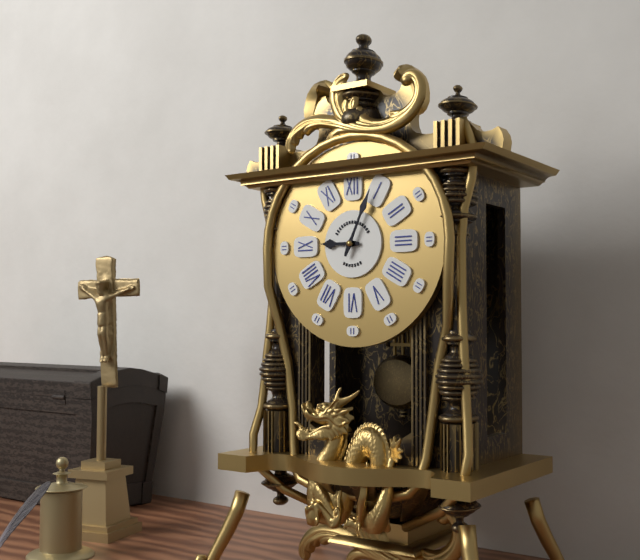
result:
{"hour": 9, "minute": 4}
